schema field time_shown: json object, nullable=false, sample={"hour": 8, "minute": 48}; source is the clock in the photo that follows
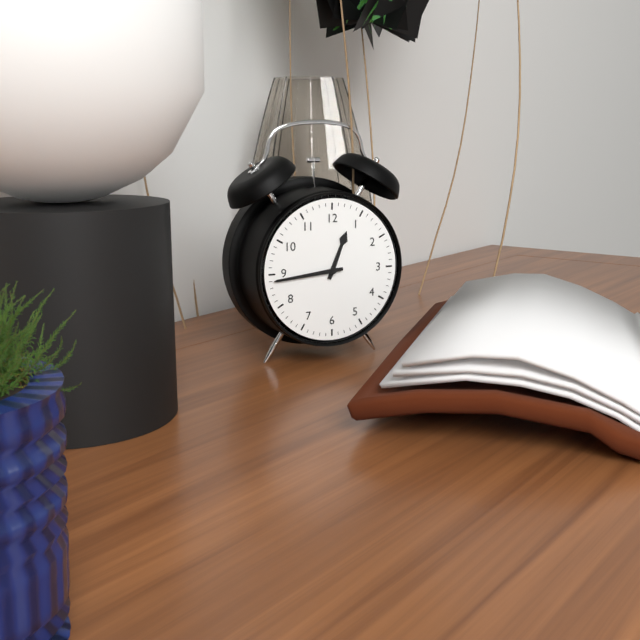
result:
{"hour": 12, "minute": 44}
